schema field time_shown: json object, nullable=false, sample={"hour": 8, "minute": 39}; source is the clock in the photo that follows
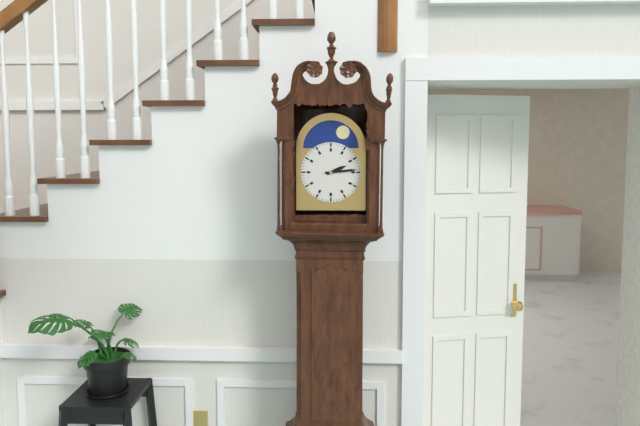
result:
{"hour": 2, "minute": 14}
